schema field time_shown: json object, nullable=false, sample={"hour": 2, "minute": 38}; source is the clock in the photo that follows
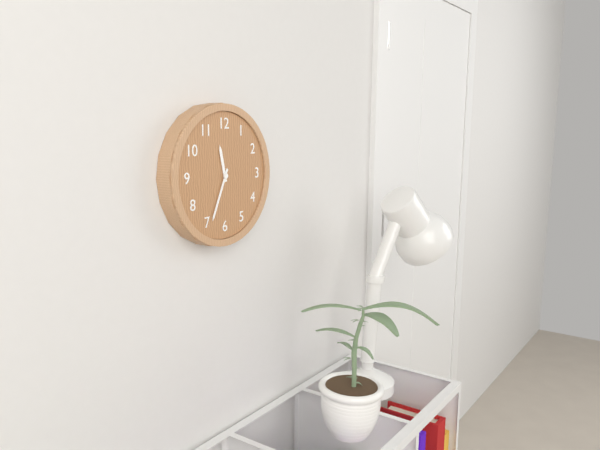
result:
{"hour": 11, "minute": 34}
